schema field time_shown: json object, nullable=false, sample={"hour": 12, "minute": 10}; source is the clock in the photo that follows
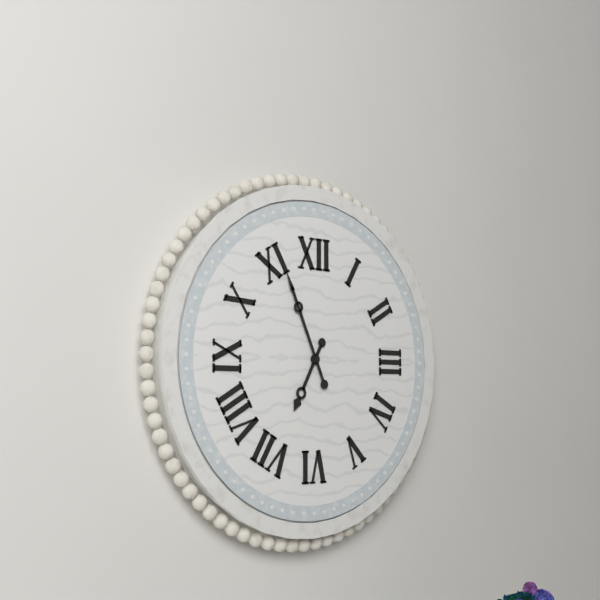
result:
{"hour": 6, "minute": 56}
